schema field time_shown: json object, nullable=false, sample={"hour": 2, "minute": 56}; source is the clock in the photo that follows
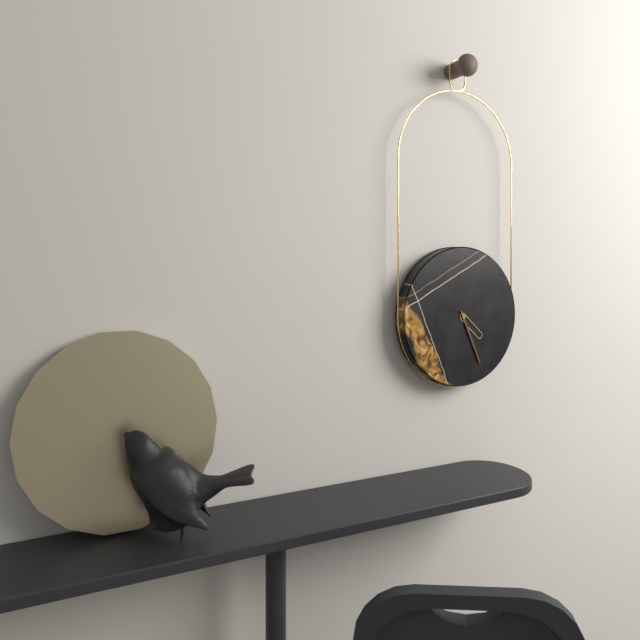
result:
{"hour": 4, "minute": 26}
